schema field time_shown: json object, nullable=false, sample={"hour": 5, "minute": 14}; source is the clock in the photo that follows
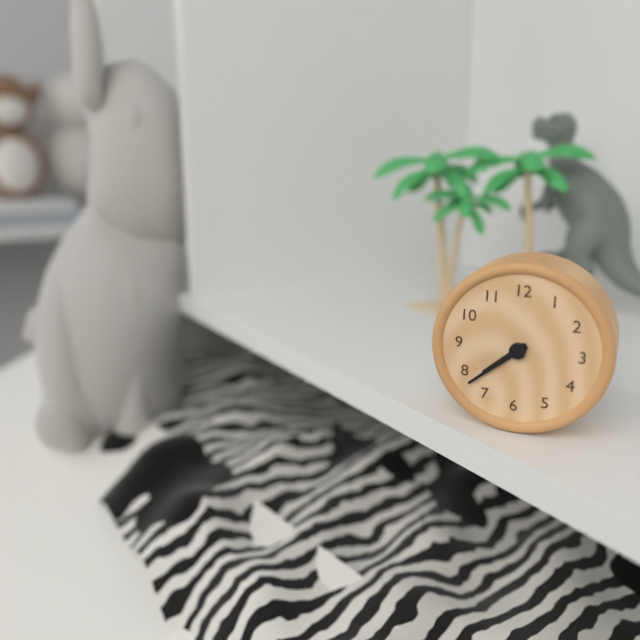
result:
{"hour": 7, "minute": 38}
